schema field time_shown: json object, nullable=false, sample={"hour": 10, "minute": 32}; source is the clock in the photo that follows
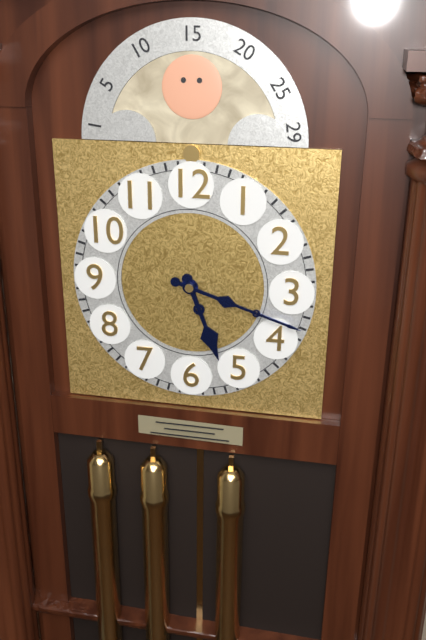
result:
{"hour": 5, "minute": 18}
